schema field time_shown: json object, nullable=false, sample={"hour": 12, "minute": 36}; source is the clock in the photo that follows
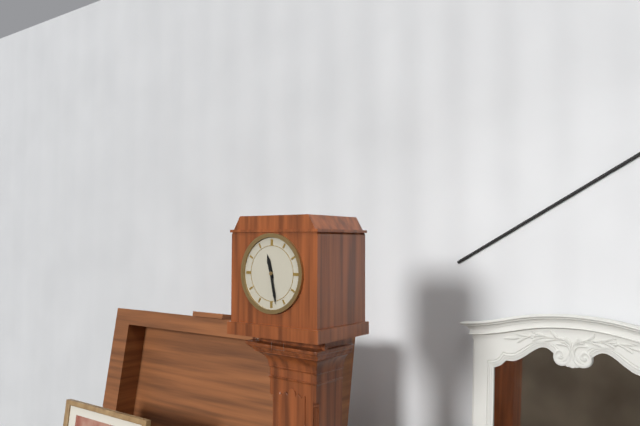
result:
{"hour": 11, "minute": 28}
